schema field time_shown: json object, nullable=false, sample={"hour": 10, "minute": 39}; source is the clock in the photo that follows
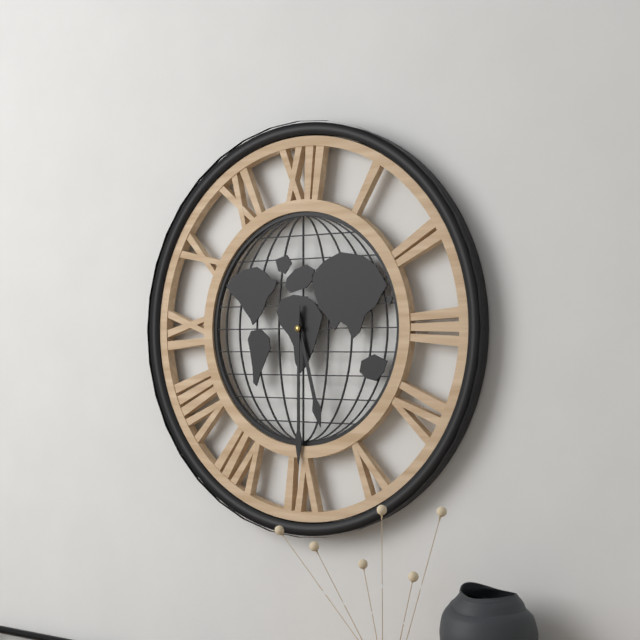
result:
{"hour": 5, "minute": 30}
